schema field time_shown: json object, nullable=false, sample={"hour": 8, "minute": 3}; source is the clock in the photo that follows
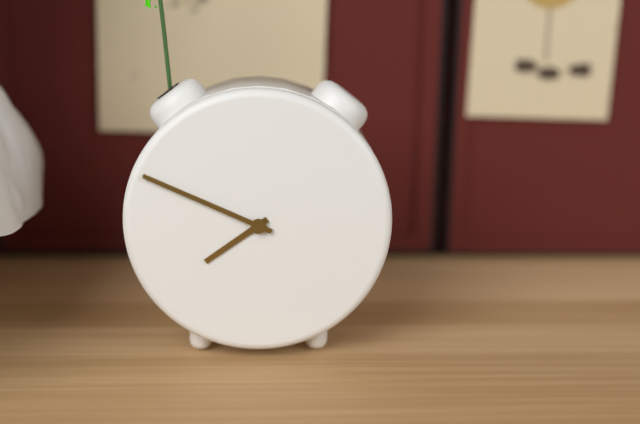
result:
{"hour": 7, "minute": 49}
